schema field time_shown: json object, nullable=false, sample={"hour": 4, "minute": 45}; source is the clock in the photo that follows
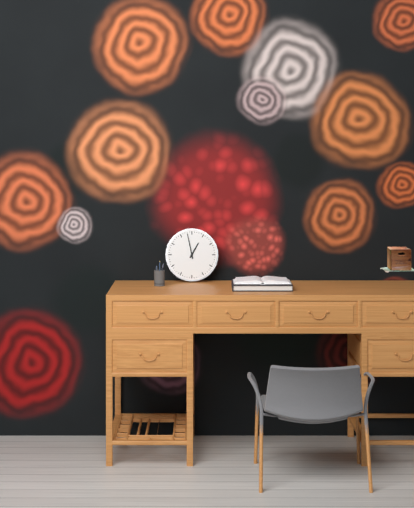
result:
{"hour": 12, "minute": 58}
